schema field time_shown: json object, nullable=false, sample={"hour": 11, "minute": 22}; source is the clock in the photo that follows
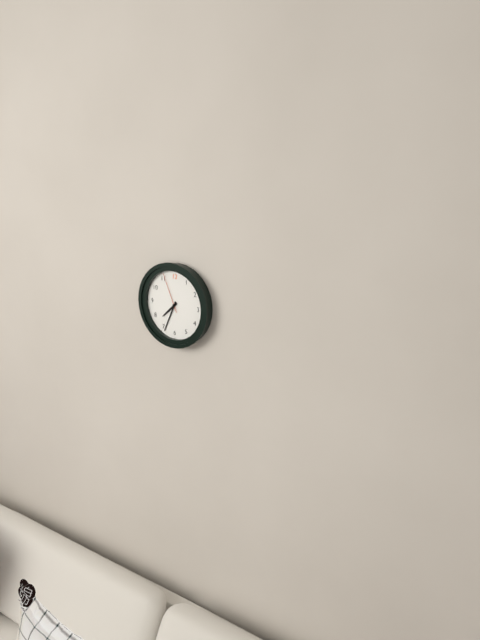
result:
{"hour": 7, "minute": 34}
